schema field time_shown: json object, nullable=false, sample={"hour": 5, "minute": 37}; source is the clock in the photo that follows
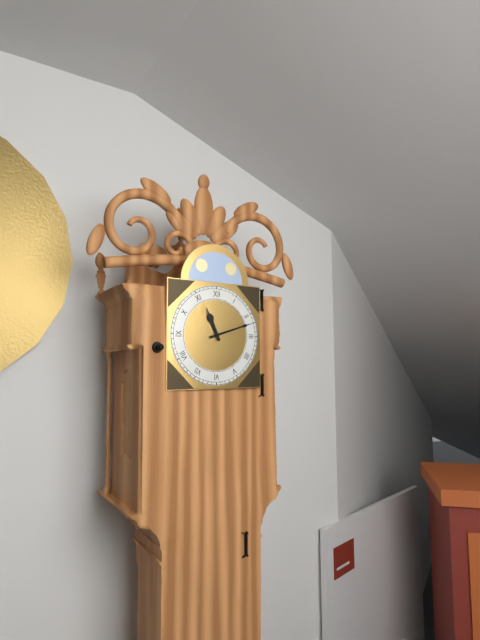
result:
{"hour": 11, "minute": 12}
